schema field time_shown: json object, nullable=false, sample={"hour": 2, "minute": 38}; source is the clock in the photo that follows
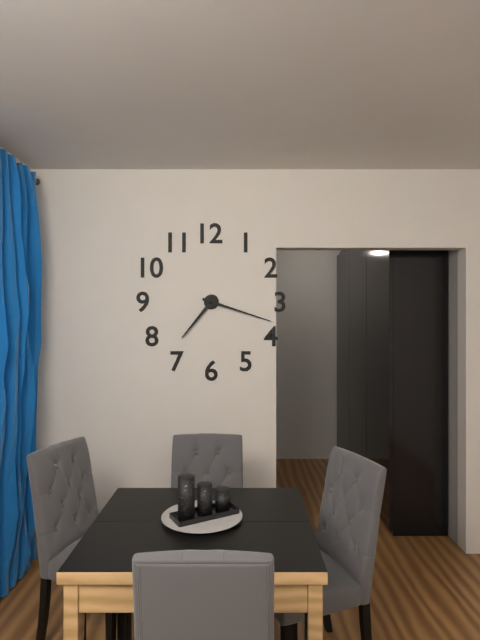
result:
{"hour": 7, "minute": 18}
